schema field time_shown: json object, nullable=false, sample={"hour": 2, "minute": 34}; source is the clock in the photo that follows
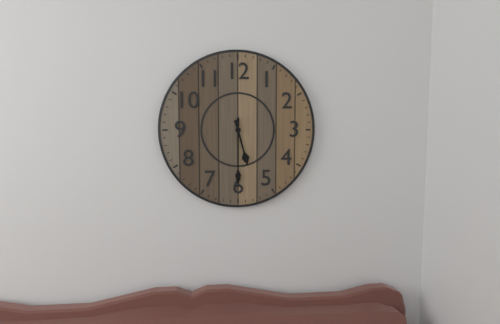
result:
{"hour": 5, "minute": 30}
